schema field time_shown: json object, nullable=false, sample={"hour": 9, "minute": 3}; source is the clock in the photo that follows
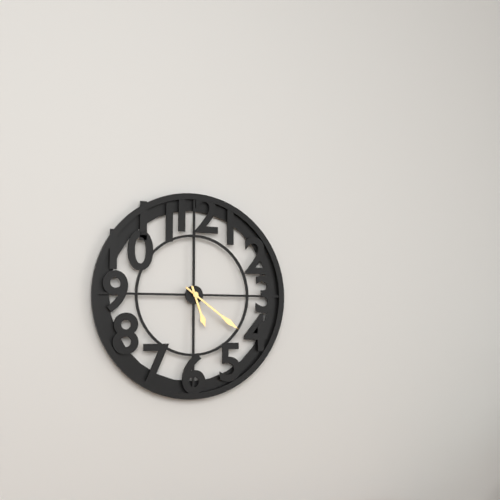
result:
{"hour": 5, "minute": 21}
